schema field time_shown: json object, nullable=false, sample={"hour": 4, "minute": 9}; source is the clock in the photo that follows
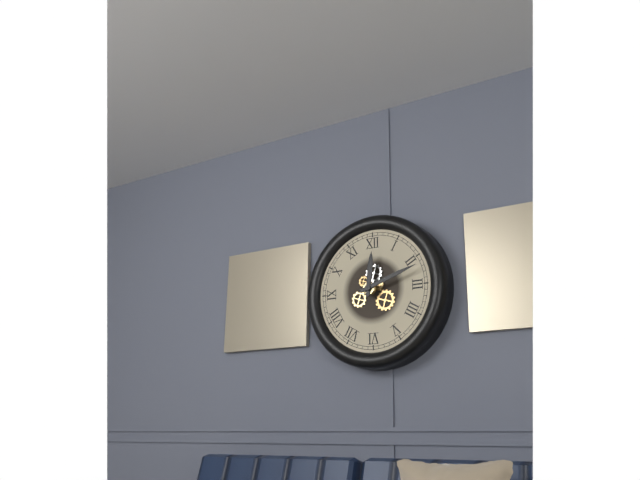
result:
{"hour": 12, "minute": 12}
